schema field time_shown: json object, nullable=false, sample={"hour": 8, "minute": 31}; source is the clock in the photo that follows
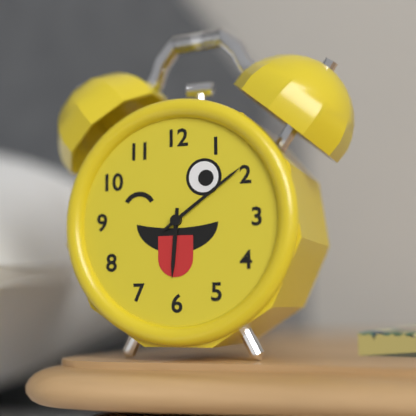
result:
{"hour": 6, "minute": 9}
